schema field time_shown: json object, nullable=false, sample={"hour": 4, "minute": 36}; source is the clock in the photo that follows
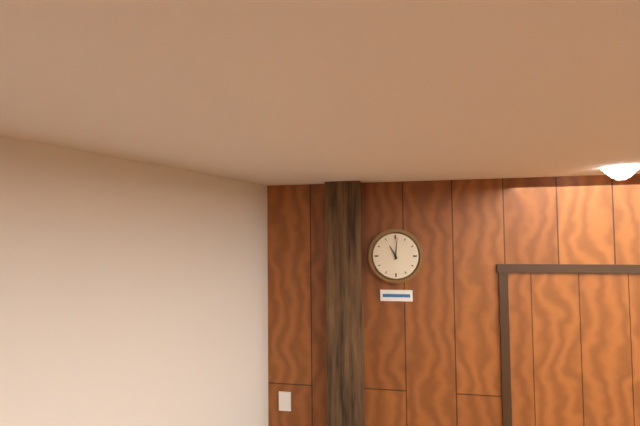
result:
{"hour": 11, "minute": 1}
